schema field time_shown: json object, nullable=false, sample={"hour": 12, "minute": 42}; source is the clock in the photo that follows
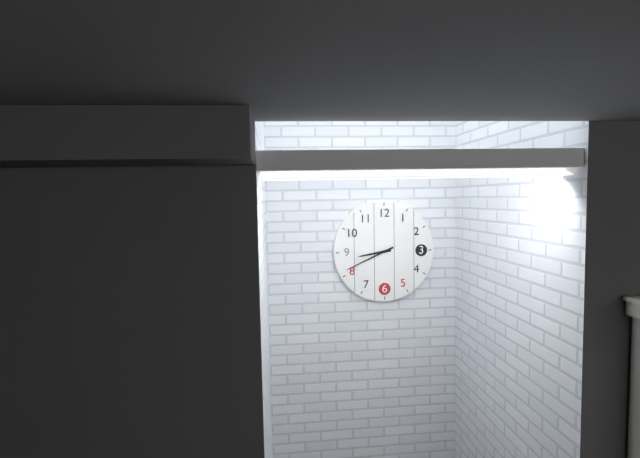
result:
{"hour": 8, "minute": 41}
